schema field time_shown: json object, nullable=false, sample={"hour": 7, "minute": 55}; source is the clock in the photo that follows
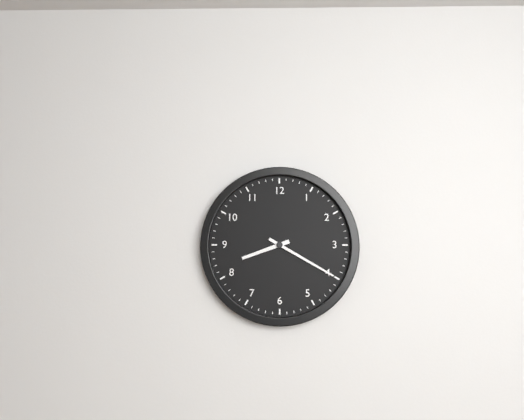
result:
{"hour": 8, "minute": 20}
